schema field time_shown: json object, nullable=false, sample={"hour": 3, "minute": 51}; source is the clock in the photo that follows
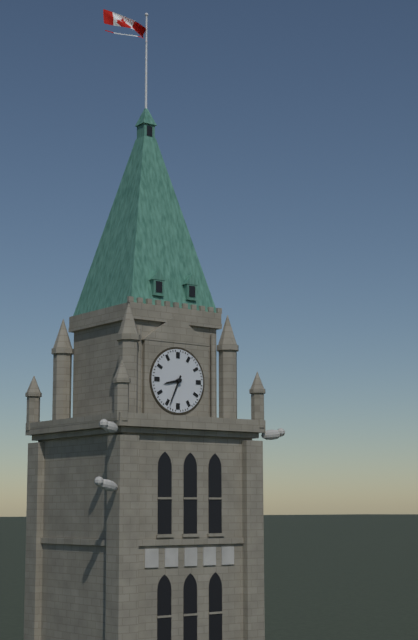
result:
{"hour": 8, "minute": 34}
